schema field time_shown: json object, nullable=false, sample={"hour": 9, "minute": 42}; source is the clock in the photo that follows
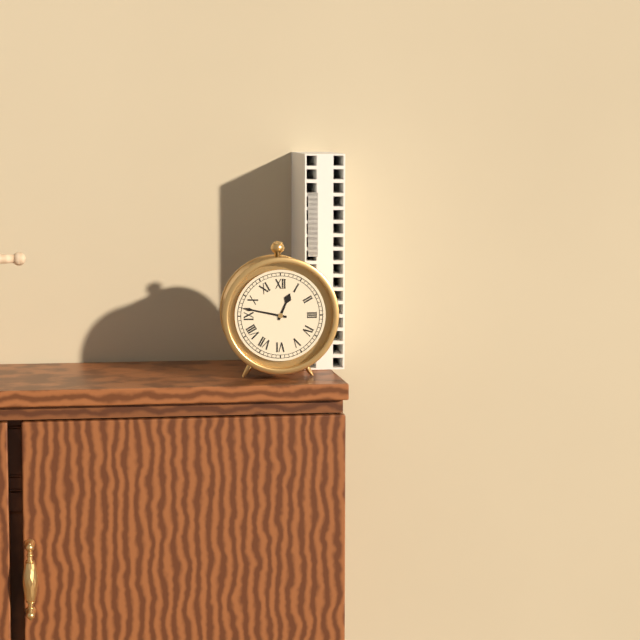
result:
{"hour": 12, "minute": 47}
